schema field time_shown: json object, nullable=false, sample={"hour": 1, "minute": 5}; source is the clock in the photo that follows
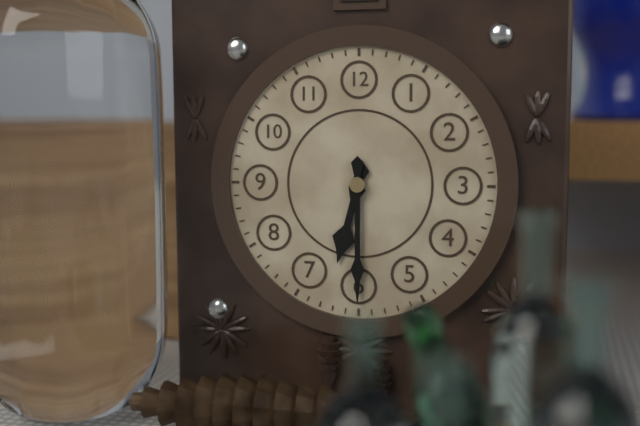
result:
{"hour": 6, "minute": 30}
